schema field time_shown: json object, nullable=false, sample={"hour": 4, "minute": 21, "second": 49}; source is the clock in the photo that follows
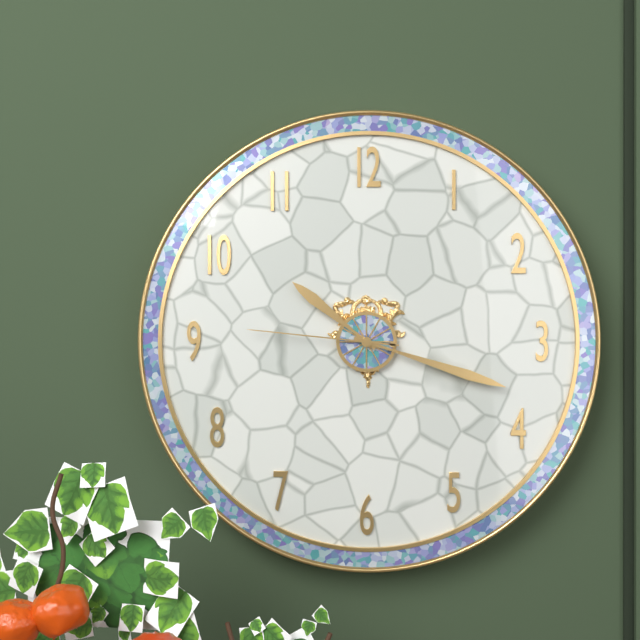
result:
{"hour": 10, "minute": 18, "second": 46}
